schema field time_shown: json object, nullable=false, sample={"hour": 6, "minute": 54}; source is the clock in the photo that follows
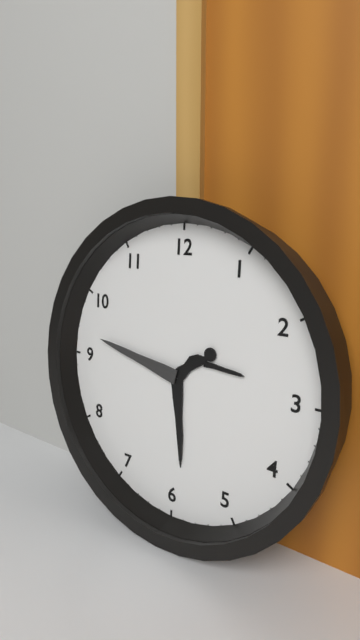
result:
{"hour": 5, "minute": 47}
